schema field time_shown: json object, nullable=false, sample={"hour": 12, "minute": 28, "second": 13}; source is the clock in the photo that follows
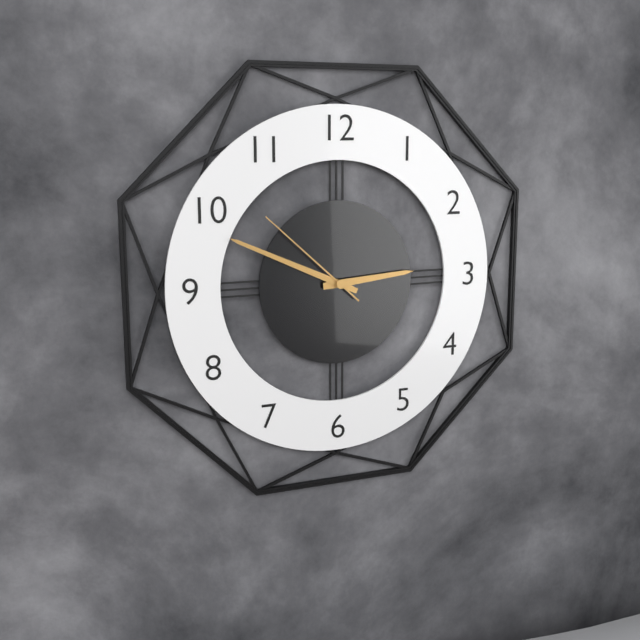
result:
{"hour": 2, "minute": 49, "second": 52}
